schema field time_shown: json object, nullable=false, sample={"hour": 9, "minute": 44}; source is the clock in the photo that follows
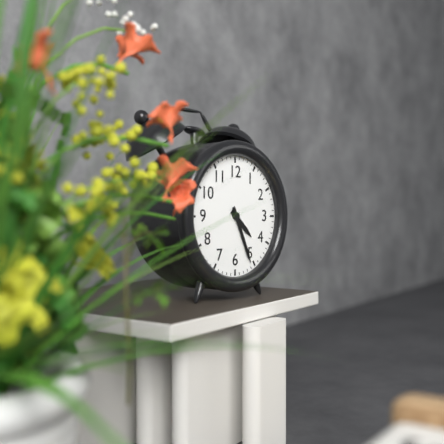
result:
{"hour": 4, "minute": 26}
